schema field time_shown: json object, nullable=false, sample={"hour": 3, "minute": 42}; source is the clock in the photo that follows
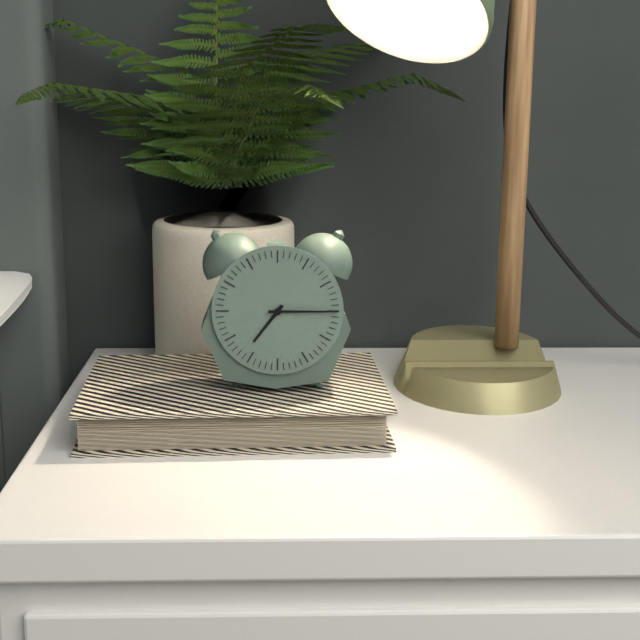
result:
{"hour": 7, "minute": 15}
